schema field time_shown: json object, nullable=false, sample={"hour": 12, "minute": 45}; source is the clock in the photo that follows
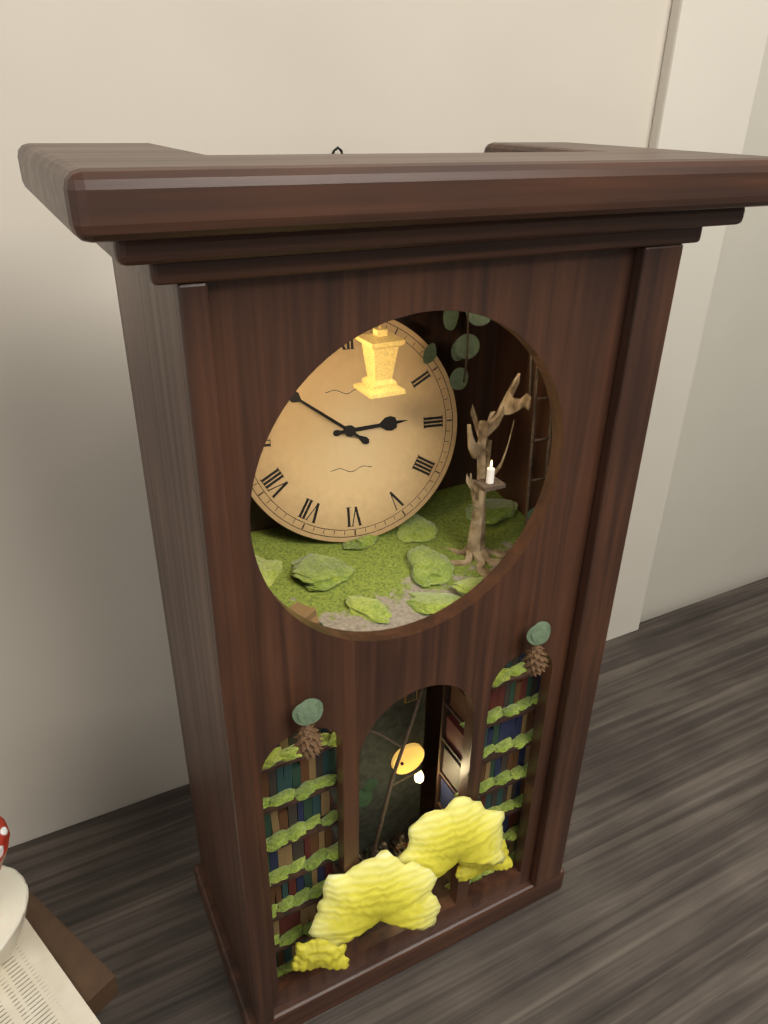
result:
{"hour": 2, "minute": 51}
